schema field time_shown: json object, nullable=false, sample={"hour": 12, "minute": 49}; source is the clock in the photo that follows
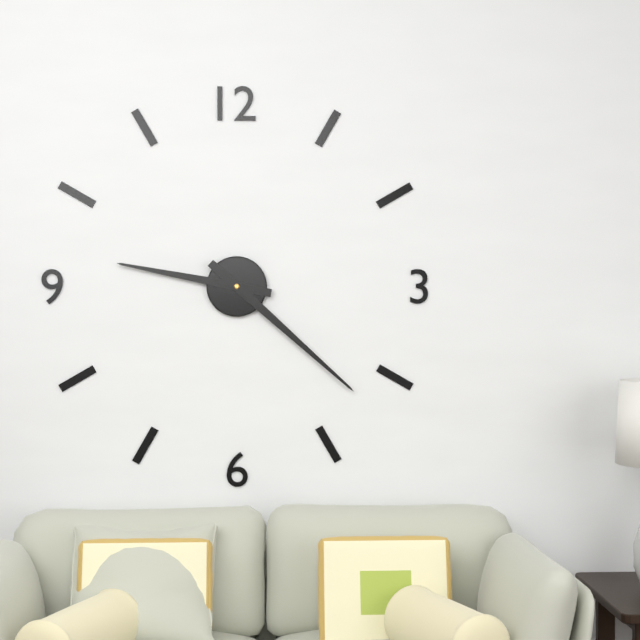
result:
{"hour": 9, "minute": 22}
